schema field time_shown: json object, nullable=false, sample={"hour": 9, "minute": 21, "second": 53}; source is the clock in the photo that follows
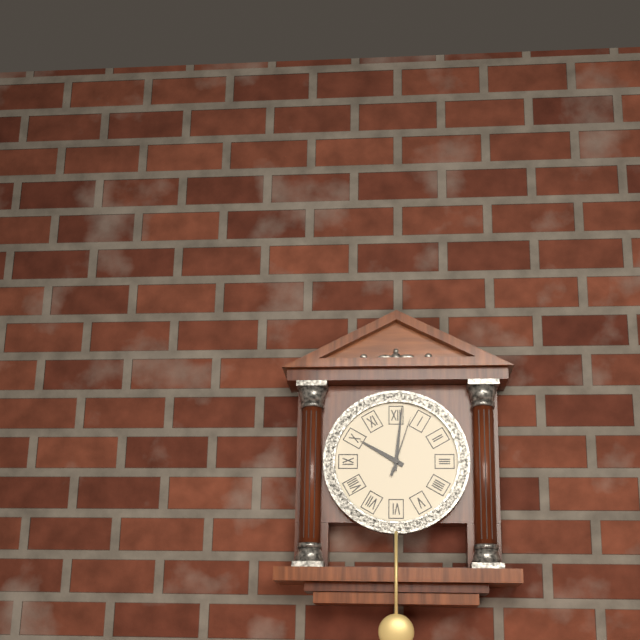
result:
{"hour": 10, "minute": 1, "second": 3}
